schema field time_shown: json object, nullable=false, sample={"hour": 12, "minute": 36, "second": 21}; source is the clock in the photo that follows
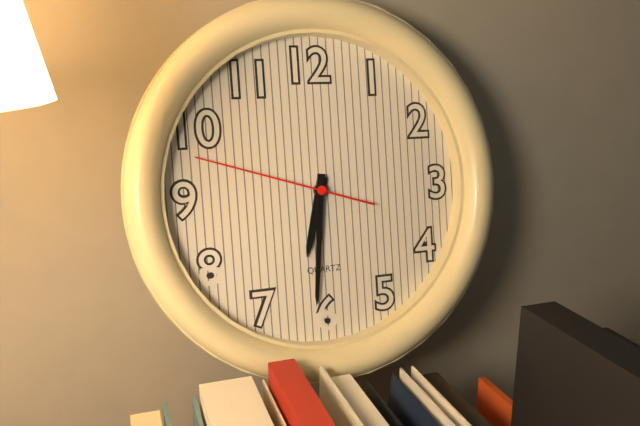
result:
{"hour": 6, "minute": 31, "second": 48}
